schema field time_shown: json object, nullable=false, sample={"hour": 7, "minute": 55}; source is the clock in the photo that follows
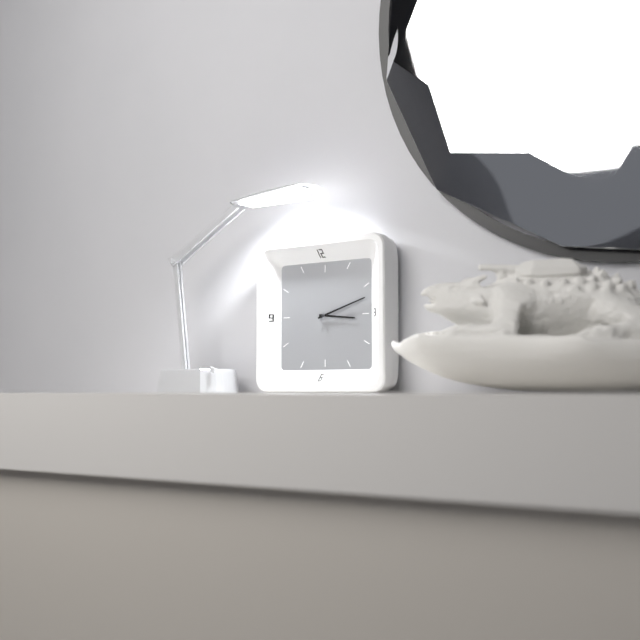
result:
{"hour": 3, "minute": 12}
